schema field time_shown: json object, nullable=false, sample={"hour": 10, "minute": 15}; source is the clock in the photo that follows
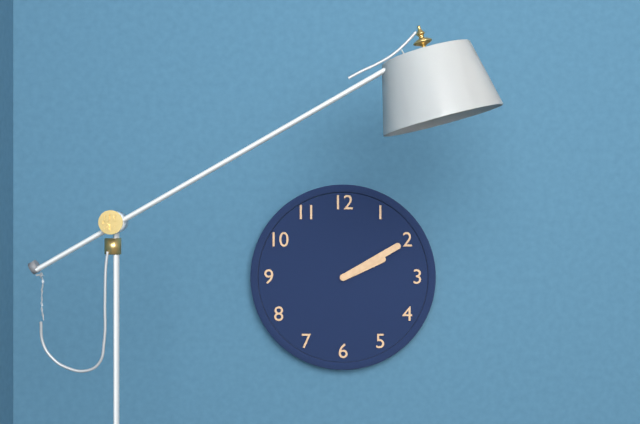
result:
{"hour": 2, "minute": 10}
